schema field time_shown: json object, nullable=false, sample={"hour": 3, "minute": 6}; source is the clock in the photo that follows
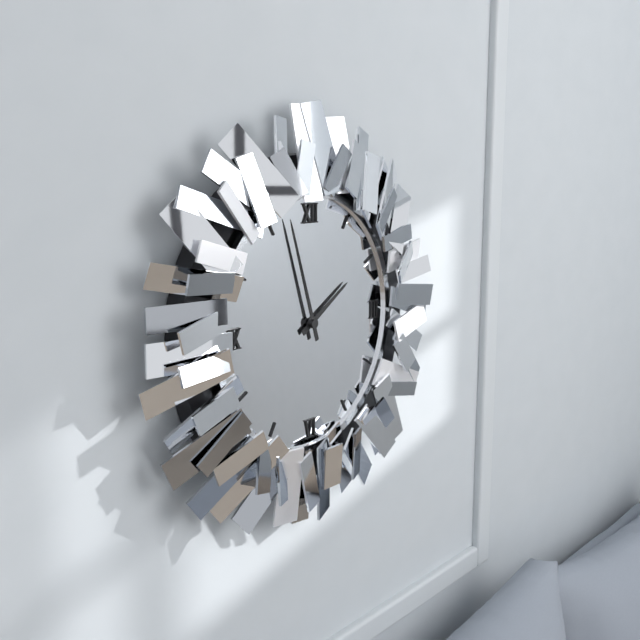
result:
{"hour": 1, "minute": 57}
